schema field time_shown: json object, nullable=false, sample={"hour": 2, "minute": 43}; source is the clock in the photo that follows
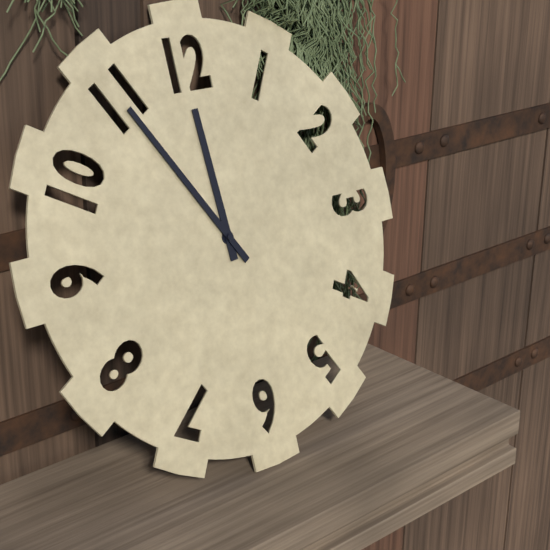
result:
{"hour": 11, "minute": 55}
